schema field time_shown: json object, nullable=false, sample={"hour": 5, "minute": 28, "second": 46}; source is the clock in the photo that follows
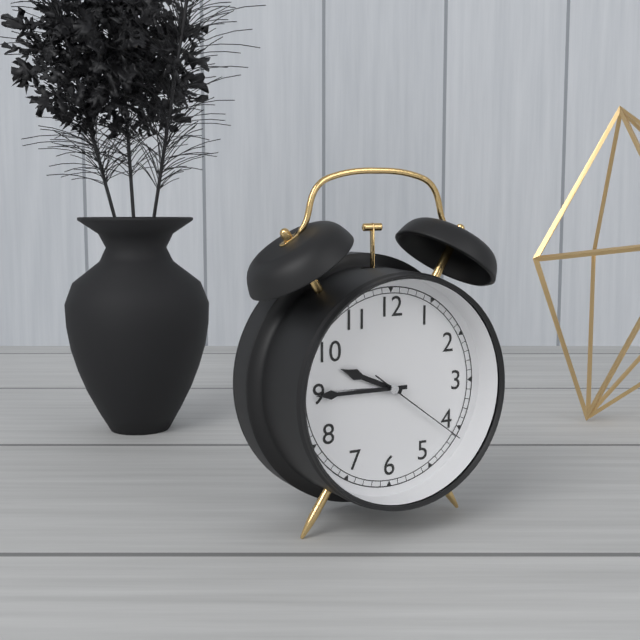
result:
{"hour": 9, "minute": 45, "second": 21}
